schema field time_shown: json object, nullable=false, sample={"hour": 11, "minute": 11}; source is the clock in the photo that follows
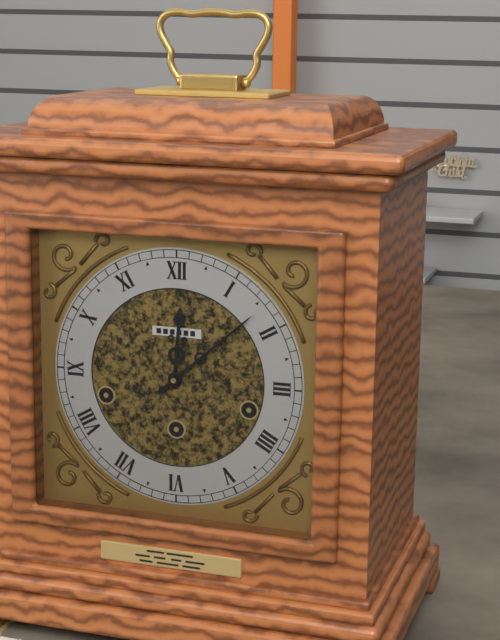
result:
{"hour": 12, "minute": 8}
